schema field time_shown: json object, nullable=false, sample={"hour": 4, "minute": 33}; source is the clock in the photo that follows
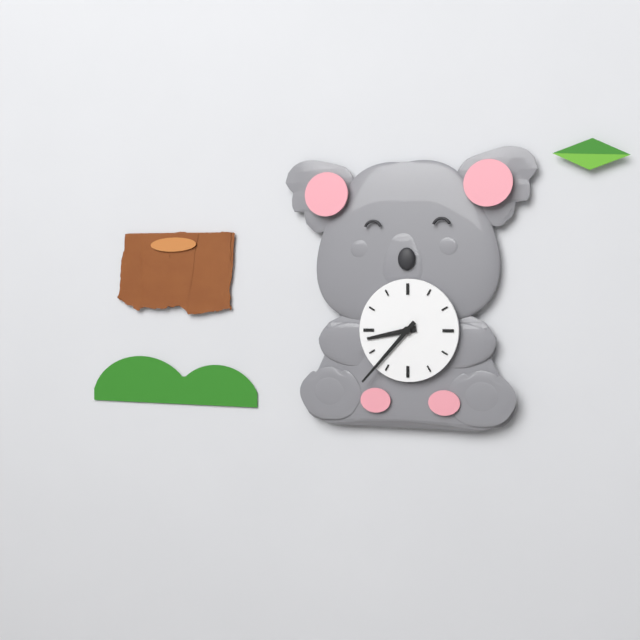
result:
{"hour": 8, "minute": 37}
